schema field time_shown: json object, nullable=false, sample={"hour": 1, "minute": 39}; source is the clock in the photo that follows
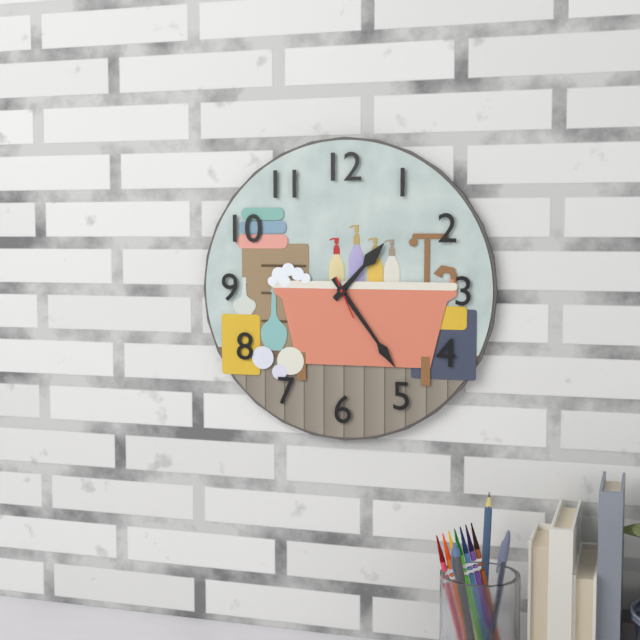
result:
{"hour": 1, "minute": 24}
